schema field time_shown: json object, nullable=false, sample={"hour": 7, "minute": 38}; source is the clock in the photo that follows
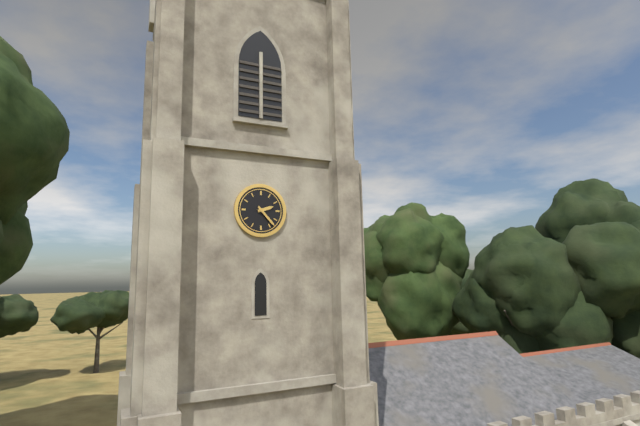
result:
{"hour": 2, "minute": 23}
